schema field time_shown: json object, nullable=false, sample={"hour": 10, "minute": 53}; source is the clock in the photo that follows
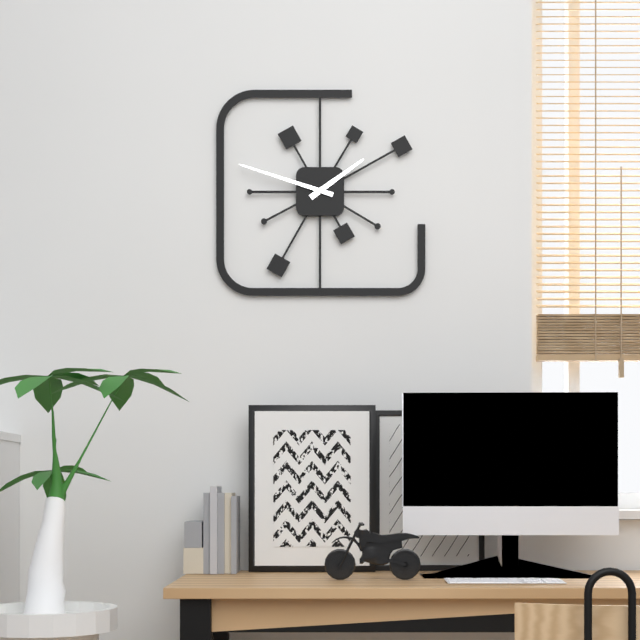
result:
{"hour": 1, "minute": 48}
